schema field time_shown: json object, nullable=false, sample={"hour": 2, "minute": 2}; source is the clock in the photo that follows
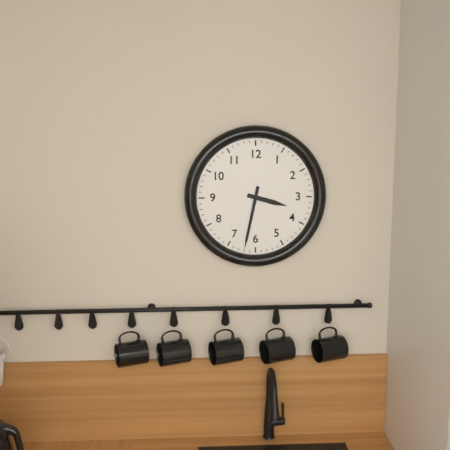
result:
{"hour": 3, "minute": 32}
